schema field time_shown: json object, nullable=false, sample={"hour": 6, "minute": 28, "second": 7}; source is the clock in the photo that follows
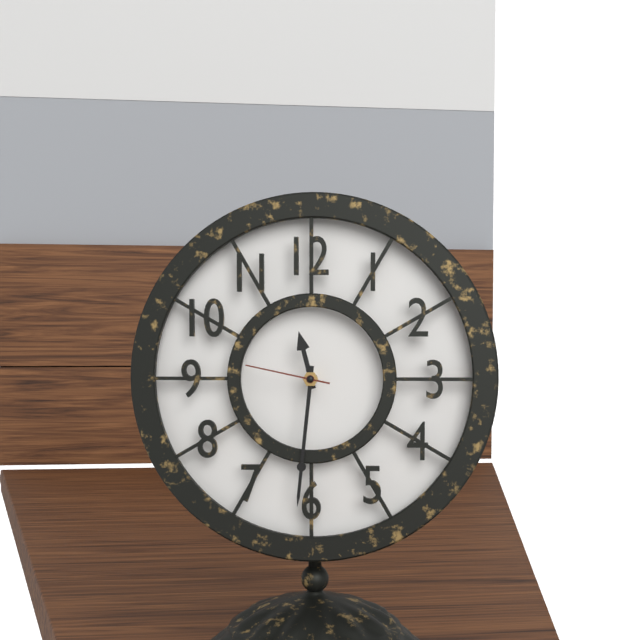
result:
{"hour": 11, "minute": 31, "second": 47}
